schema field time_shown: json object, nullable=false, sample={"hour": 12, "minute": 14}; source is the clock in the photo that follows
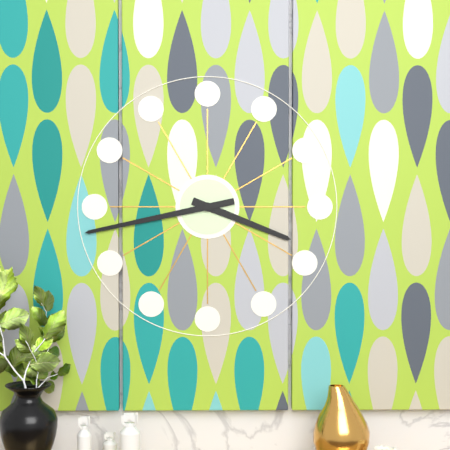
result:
{"hour": 3, "minute": 43}
